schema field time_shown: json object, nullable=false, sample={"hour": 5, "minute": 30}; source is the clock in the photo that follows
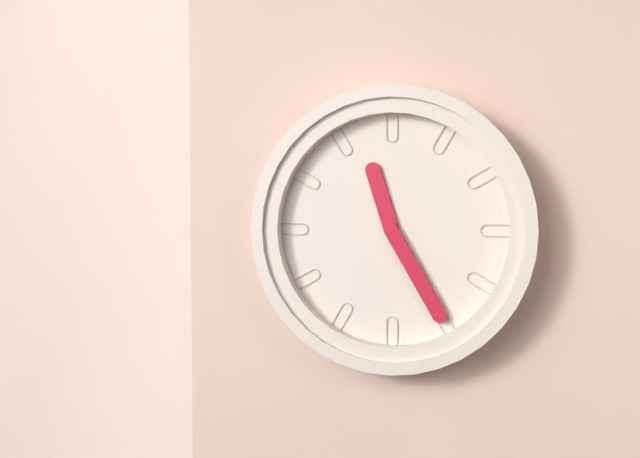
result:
{"hour": 11, "minute": 25}
